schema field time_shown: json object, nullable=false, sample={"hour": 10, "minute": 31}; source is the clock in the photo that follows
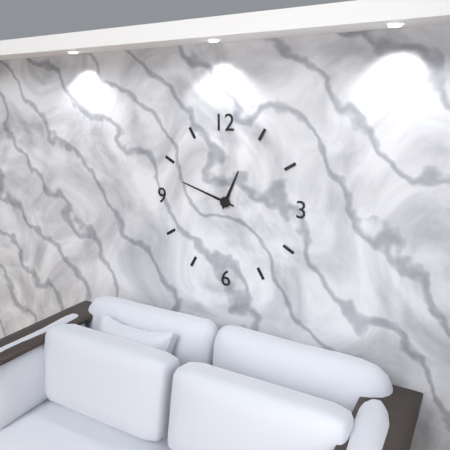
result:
{"hour": 12, "minute": 48}
